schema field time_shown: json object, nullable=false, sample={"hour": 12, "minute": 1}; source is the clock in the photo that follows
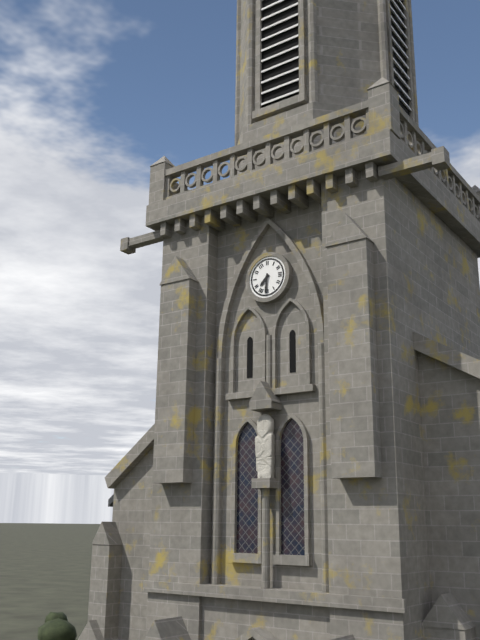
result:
{"hour": 7, "minute": 31}
